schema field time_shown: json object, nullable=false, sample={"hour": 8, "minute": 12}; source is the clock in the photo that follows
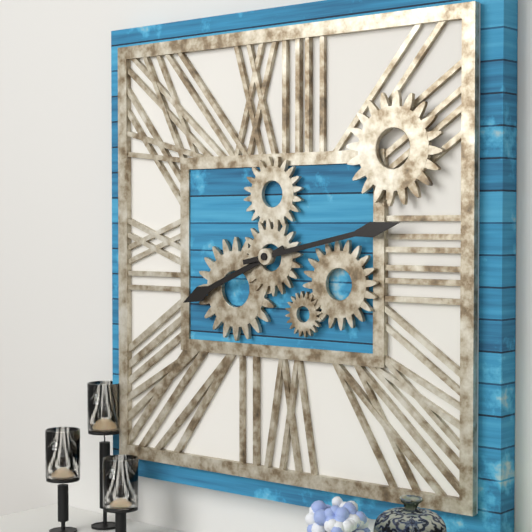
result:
{"hour": 8, "minute": 13}
